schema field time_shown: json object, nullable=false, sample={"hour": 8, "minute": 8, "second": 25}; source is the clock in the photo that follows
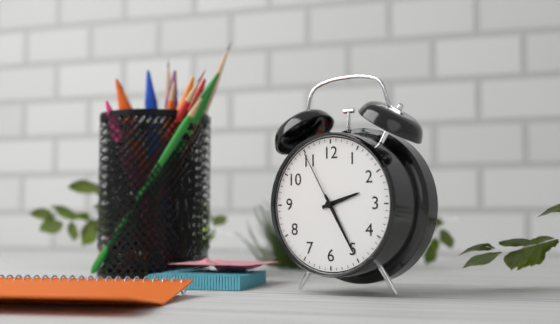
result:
{"hour": 2, "minute": 25, "second": 55}
